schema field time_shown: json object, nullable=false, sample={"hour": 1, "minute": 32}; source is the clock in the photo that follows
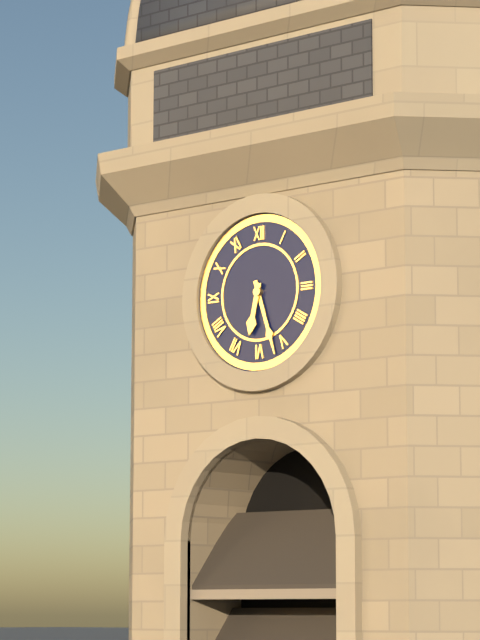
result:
{"hour": 6, "minute": 27}
